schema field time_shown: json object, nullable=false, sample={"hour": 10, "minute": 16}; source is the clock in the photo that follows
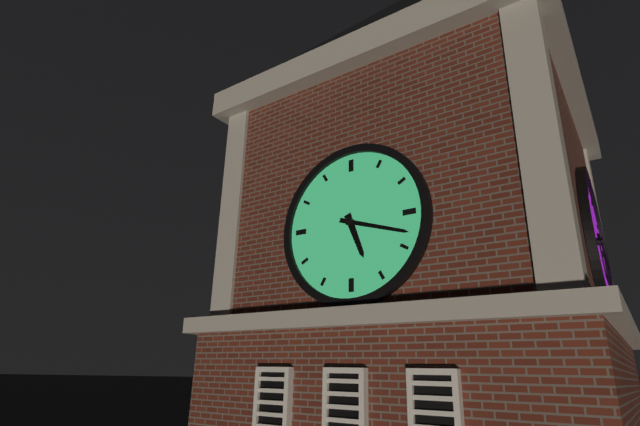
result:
{"hour": 5, "minute": 18}
